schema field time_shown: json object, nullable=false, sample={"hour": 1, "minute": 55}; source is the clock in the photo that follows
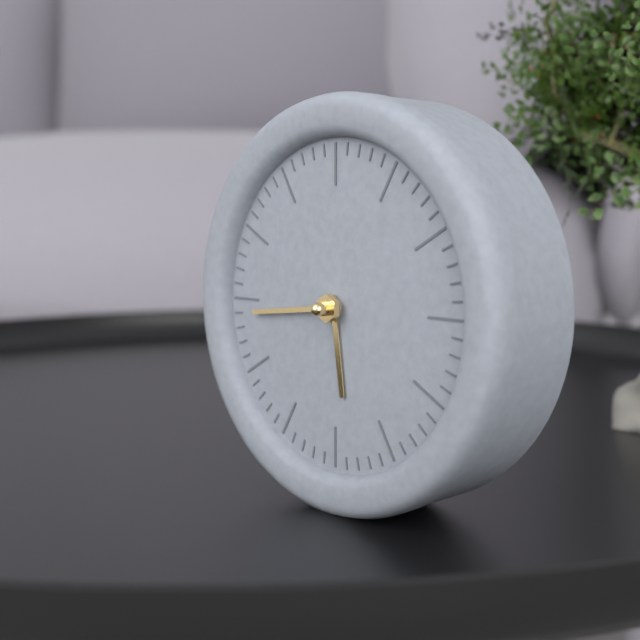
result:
{"hour": 5, "minute": 44}
